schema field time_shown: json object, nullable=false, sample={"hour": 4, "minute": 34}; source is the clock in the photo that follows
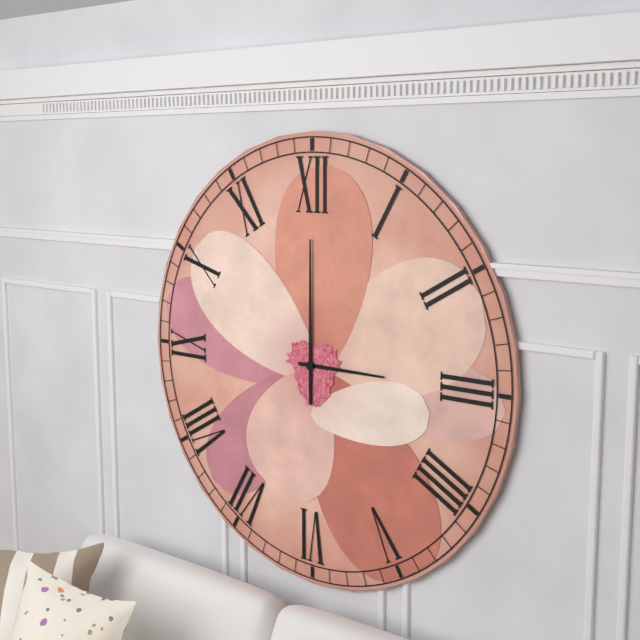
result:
{"hour": 3, "minute": 0}
